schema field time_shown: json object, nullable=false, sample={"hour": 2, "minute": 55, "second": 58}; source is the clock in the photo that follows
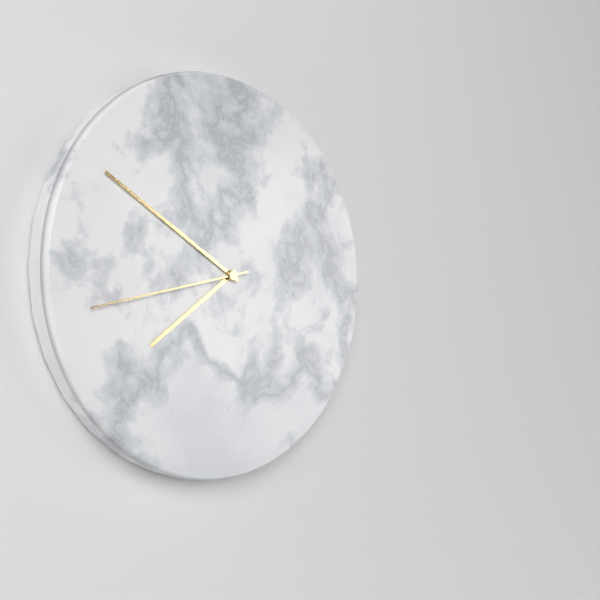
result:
{"hour": 7, "minute": 50, "second": 43}
